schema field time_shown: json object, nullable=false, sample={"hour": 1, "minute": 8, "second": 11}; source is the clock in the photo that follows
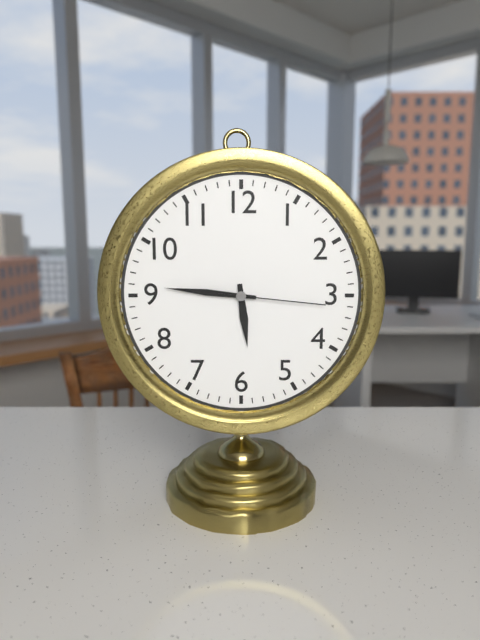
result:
{"hour": 5, "minute": 46, "second": 16}
